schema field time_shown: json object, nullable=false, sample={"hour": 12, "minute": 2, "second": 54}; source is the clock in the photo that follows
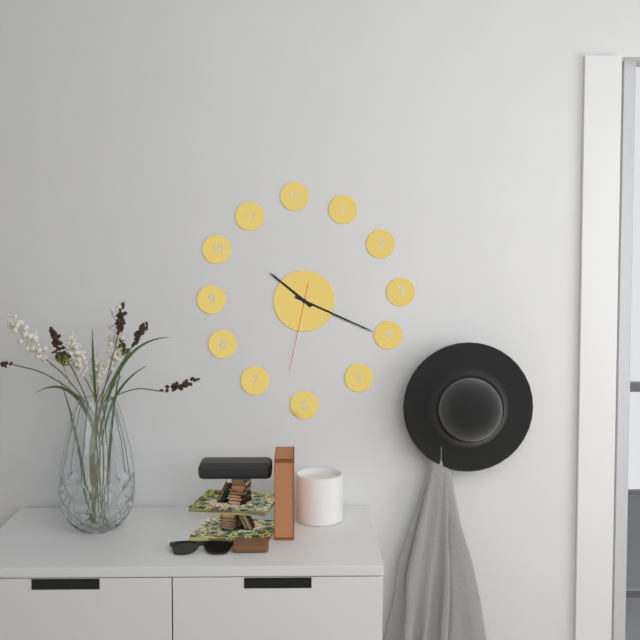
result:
{"hour": 10, "minute": 19, "second": 32}
